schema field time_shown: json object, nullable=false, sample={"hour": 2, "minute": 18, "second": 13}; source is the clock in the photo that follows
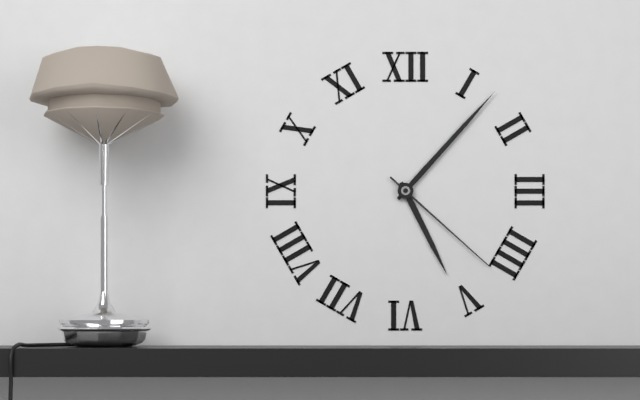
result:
{"hour": 5, "minute": 7, "second": 22}
